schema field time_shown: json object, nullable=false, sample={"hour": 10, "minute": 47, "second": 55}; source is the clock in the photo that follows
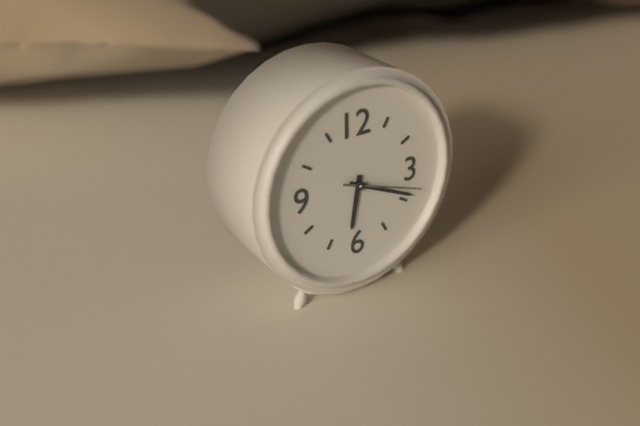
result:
{"hour": 6, "minute": 19, "second": 18}
